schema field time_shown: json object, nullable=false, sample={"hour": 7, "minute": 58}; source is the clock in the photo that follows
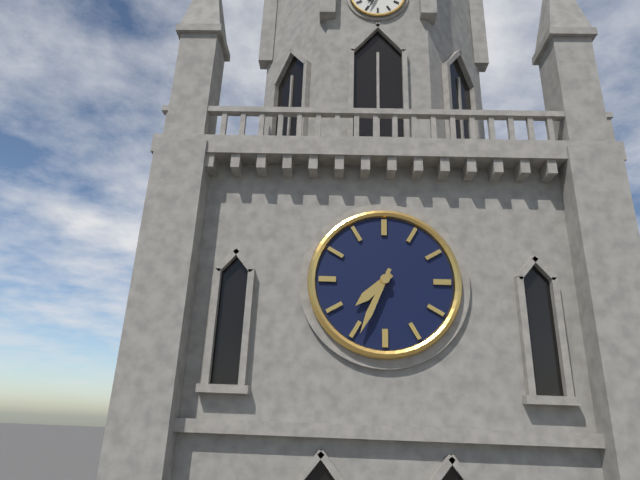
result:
{"hour": 7, "minute": 34}
